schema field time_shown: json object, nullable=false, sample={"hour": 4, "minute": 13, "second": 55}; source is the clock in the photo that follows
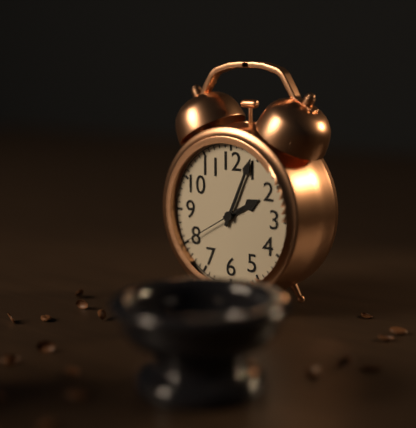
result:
{"hour": 2, "minute": 4, "second": 40}
